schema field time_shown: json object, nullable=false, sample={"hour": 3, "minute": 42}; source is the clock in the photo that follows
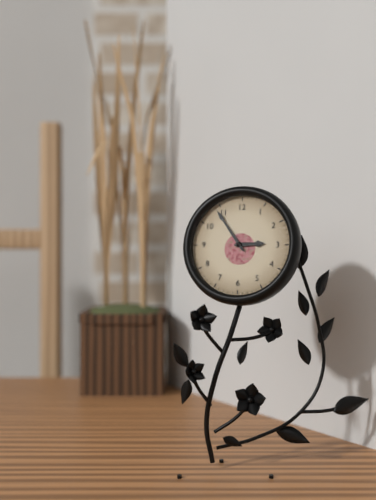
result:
{"hour": 2, "minute": 54}
